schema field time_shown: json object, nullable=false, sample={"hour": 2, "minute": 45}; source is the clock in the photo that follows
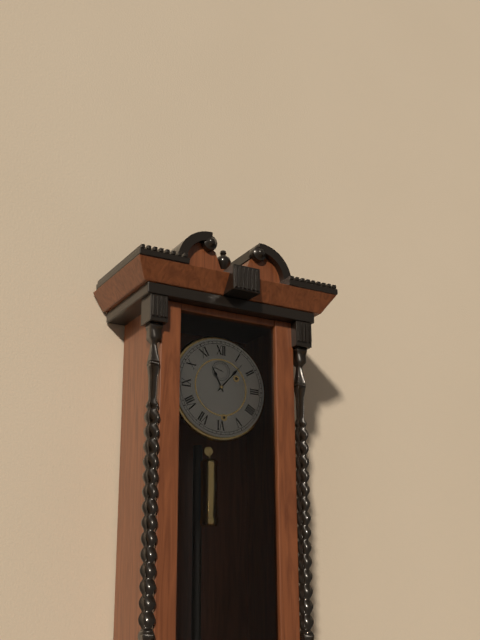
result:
{"hour": 11, "minute": 7}
